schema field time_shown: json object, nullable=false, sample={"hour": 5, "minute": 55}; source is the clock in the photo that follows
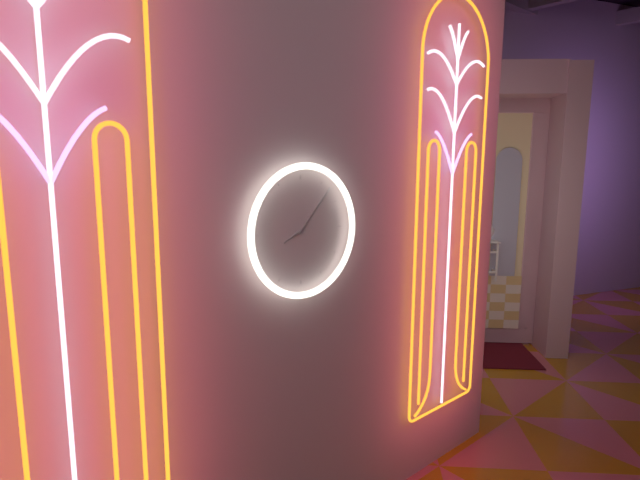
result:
{"hour": 8, "minute": 7}
